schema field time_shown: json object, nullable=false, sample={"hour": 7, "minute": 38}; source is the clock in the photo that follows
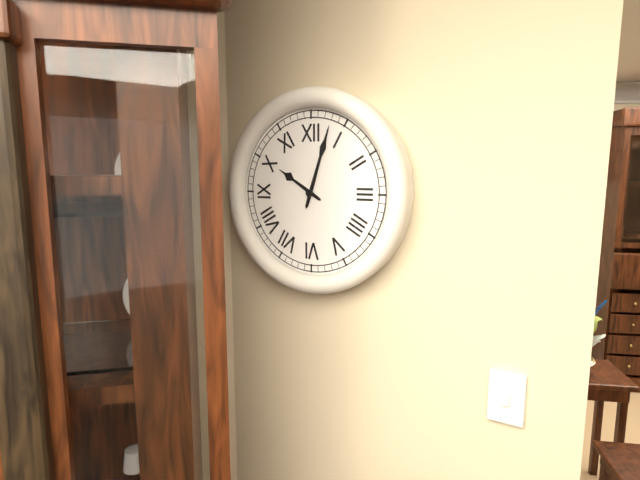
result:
{"hour": 10, "minute": 3}
